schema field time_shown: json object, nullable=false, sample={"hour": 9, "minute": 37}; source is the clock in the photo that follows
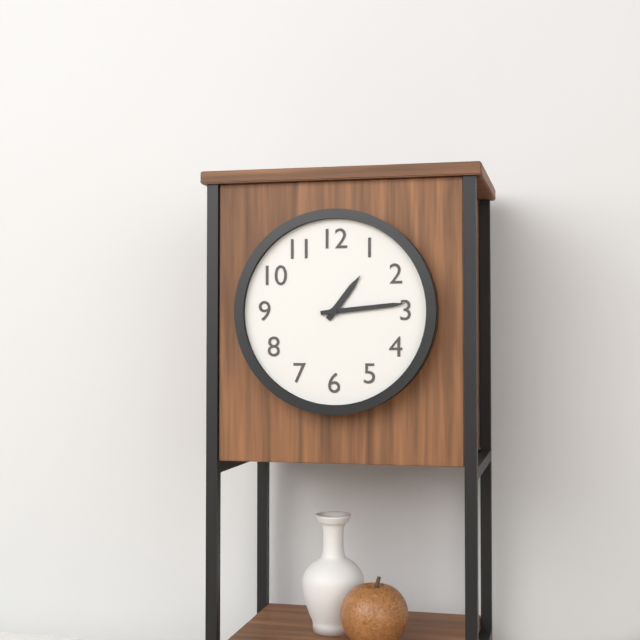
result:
{"hour": 1, "minute": 14}
